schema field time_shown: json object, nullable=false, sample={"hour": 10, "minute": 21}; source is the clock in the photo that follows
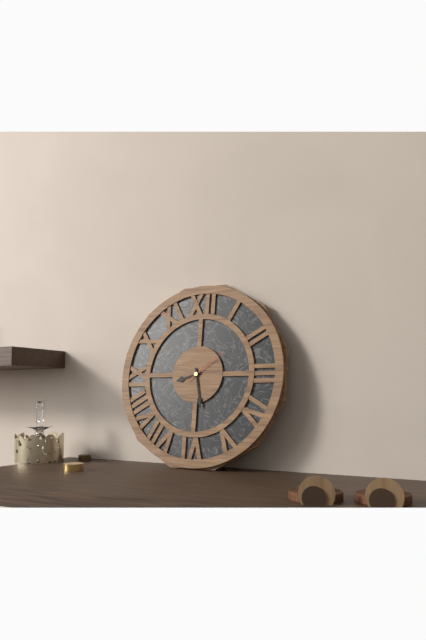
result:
{"hour": 8, "minute": 28}
